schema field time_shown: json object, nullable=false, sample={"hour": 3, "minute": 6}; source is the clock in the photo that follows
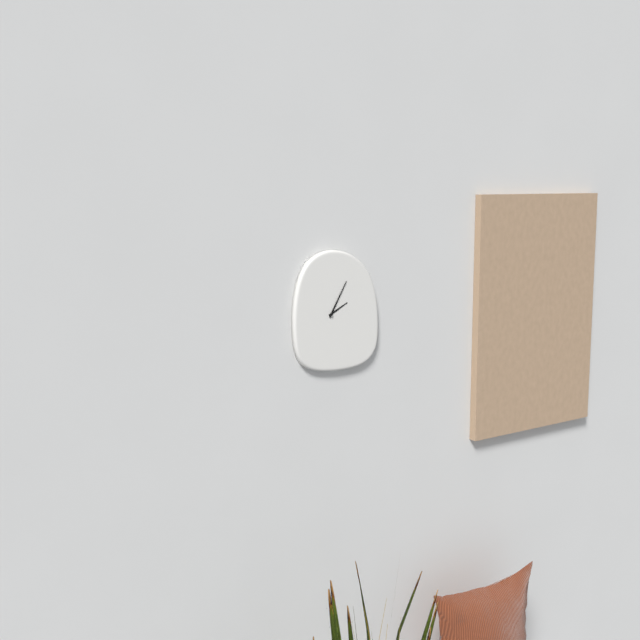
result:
{"hour": 2, "minute": 5}
